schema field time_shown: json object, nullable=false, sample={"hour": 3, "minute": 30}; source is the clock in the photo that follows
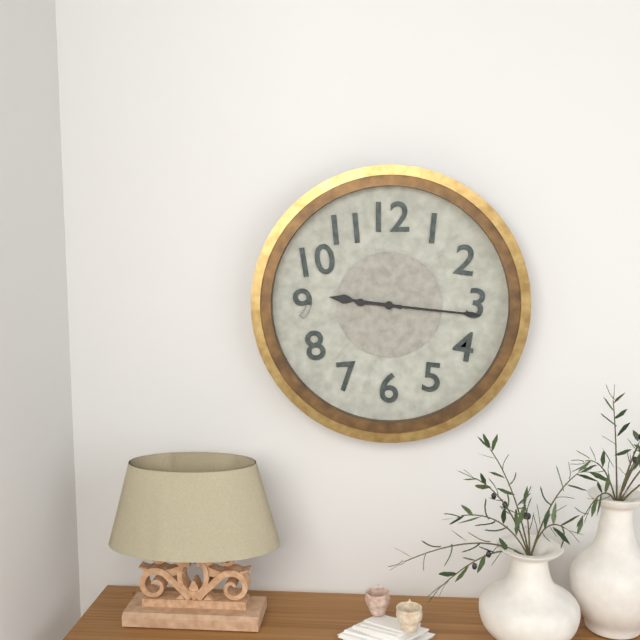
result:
{"hour": 9, "minute": 16}
